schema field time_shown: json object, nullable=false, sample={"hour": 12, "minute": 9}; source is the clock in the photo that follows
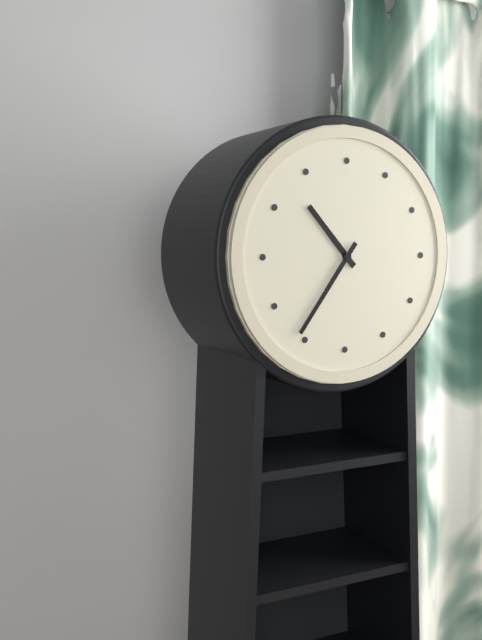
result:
{"hour": 10, "minute": 36}
